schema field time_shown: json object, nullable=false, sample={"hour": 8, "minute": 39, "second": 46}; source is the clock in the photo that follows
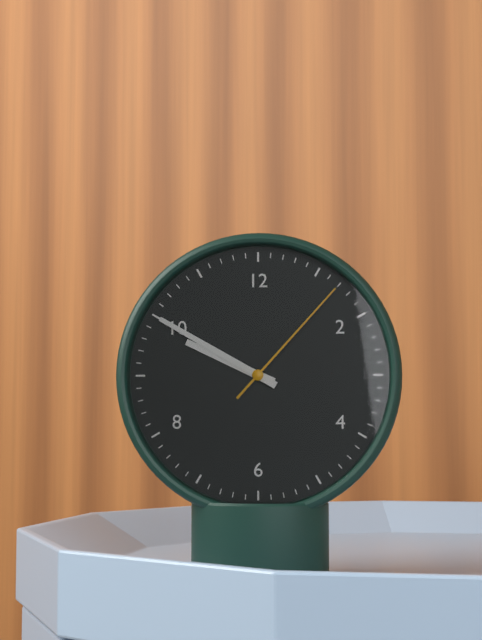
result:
{"hour": 9, "minute": 50, "second": 7}
